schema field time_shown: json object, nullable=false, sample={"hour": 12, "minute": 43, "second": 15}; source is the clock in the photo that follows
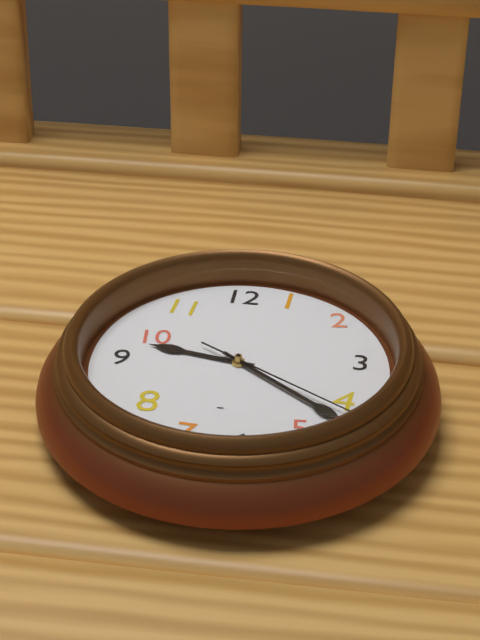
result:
{"hour": 9, "minute": 21, "second": 20}
